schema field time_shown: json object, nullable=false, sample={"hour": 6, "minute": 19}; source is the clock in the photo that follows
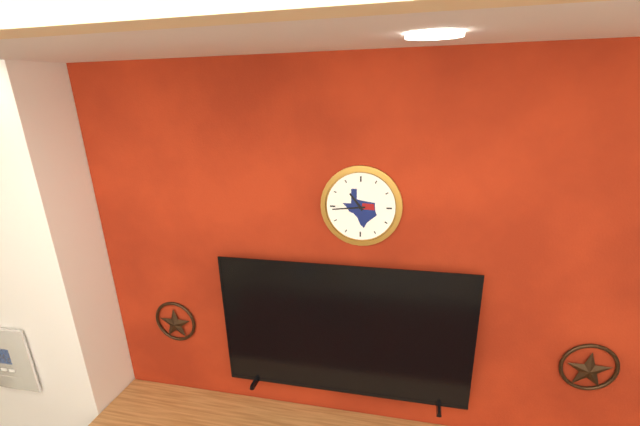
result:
{"hour": 10, "minute": 44}
